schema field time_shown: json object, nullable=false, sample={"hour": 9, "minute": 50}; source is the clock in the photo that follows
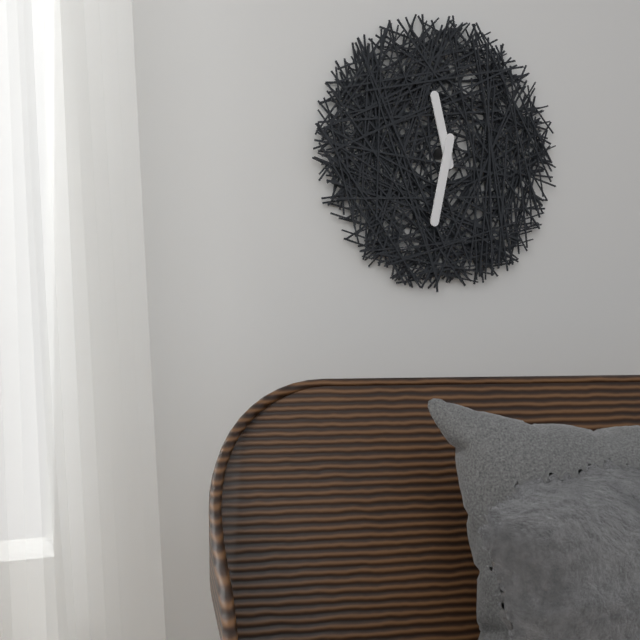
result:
{"hour": 11, "minute": 32}
